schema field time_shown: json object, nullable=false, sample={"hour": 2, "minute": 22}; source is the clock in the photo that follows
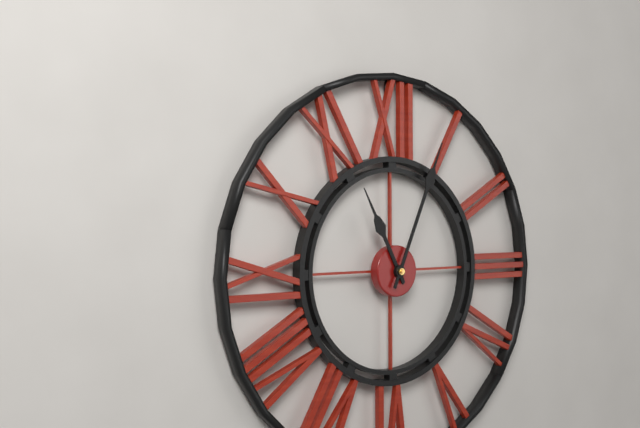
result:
{"hour": 11, "minute": 4}
